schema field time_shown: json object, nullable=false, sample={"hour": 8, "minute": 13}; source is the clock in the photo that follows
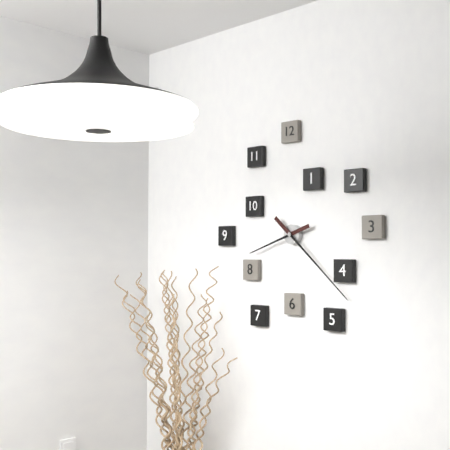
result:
{"hour": 8, "minute": 22}
